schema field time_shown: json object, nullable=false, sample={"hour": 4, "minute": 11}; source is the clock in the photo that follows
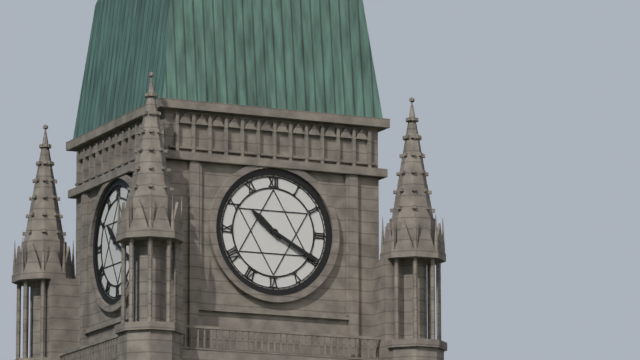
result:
{"hour": 10, "minute": 20}
